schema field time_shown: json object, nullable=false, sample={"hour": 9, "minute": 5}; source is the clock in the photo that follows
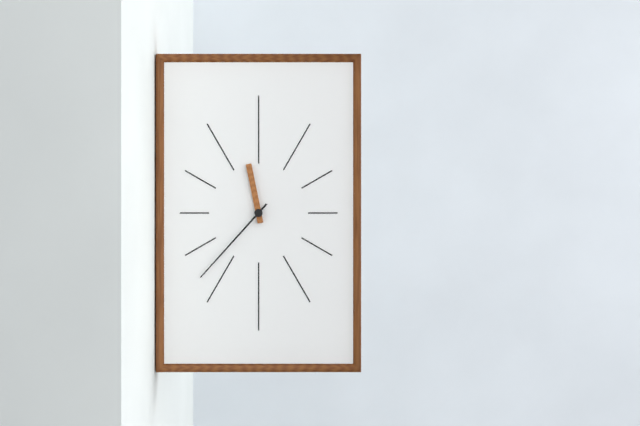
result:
{"hour": 11, "minute": 37}
